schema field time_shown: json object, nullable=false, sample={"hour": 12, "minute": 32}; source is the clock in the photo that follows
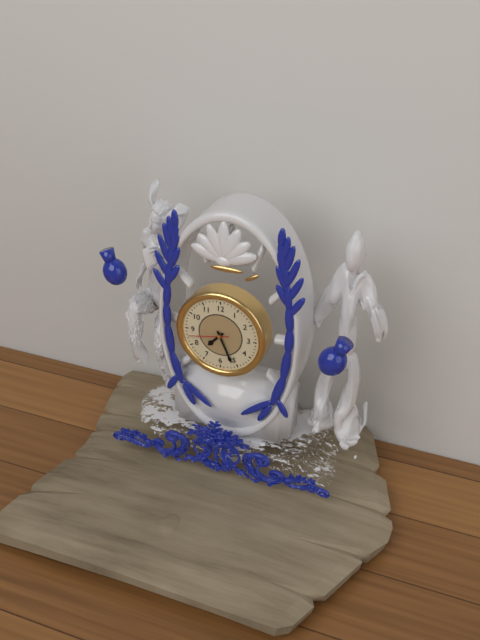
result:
{"hour": 7, "minute": 26}
